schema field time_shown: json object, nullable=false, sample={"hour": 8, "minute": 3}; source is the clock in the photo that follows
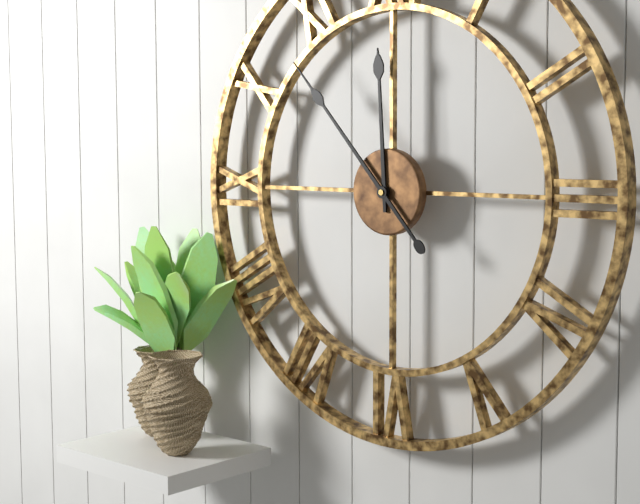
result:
{"hour": 11, "minute": 53}
